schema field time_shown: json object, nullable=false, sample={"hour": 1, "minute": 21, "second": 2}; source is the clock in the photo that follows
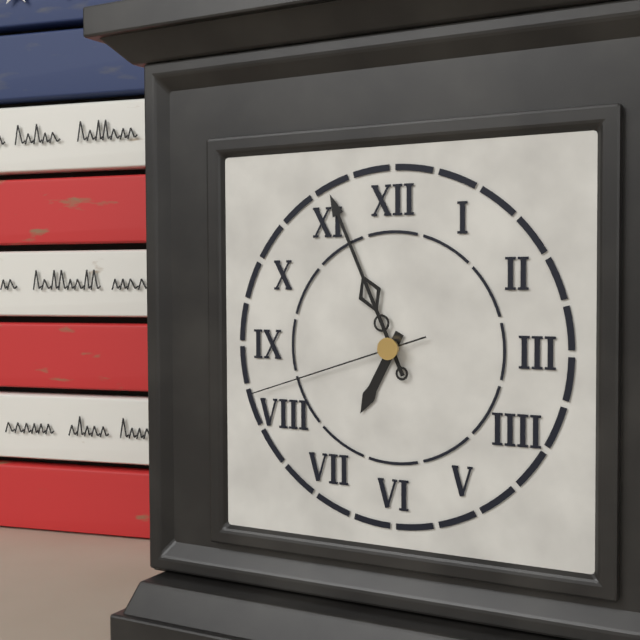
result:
{"hour": 6, "minute": 56, "second": 42}
